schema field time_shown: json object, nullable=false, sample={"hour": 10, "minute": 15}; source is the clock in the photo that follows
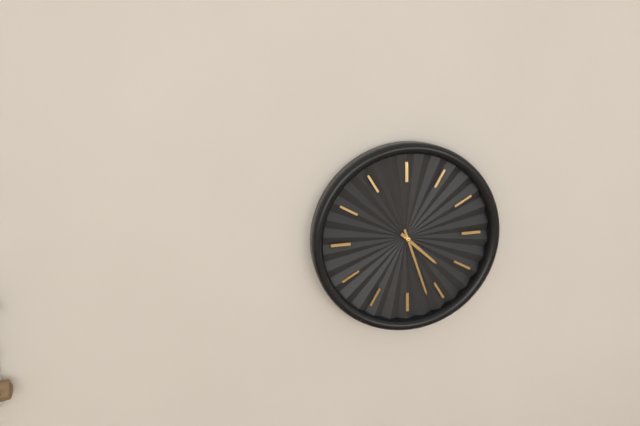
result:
{"hour": 4, "minute": 27}
